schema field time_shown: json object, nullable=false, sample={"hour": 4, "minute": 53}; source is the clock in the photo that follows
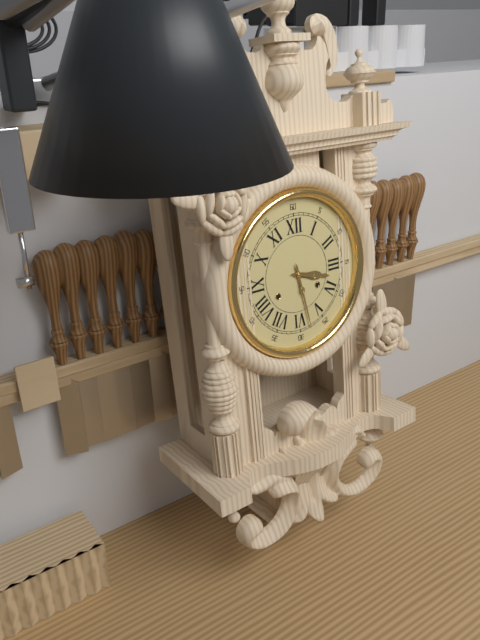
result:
{"hour": 3, "minute": 28}
